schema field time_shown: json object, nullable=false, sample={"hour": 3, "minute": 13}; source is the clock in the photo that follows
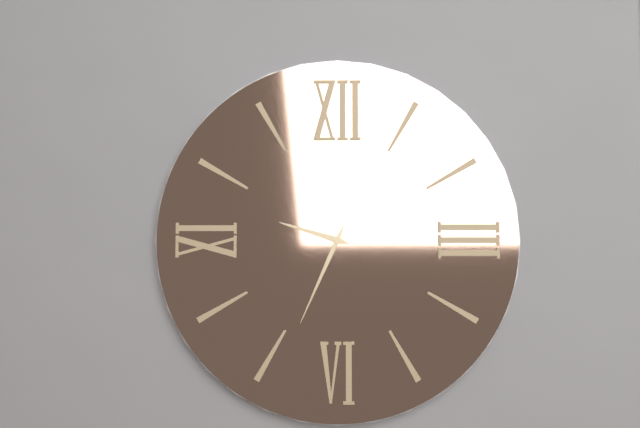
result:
{"hour": 9, "minute": 34}
